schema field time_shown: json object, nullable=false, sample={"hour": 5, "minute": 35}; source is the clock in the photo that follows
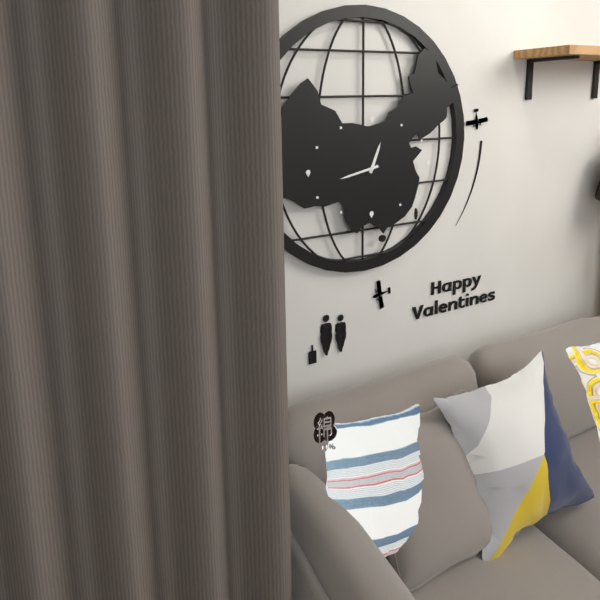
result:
{"hour": 12, "minute": 43}
